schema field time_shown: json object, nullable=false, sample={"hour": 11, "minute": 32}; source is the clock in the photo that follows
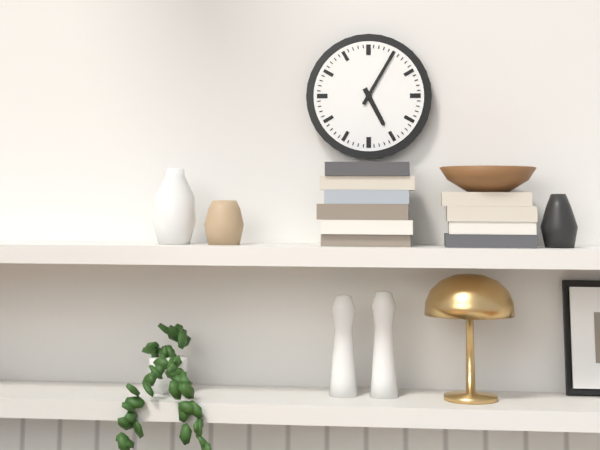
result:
{"hour": 5, "minute": 5}
